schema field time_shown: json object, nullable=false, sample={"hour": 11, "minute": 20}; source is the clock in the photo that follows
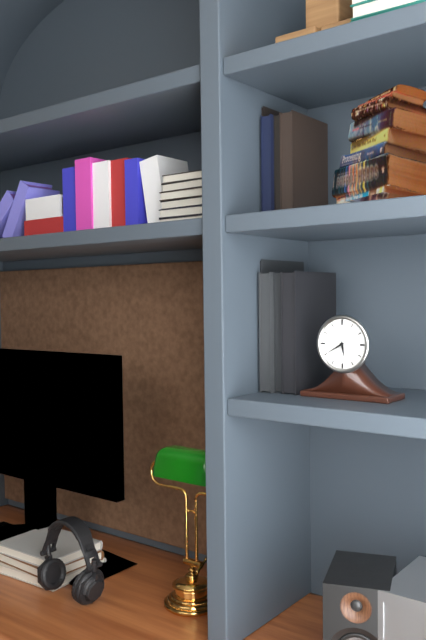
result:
{"hour": 5, "minute": 40}
